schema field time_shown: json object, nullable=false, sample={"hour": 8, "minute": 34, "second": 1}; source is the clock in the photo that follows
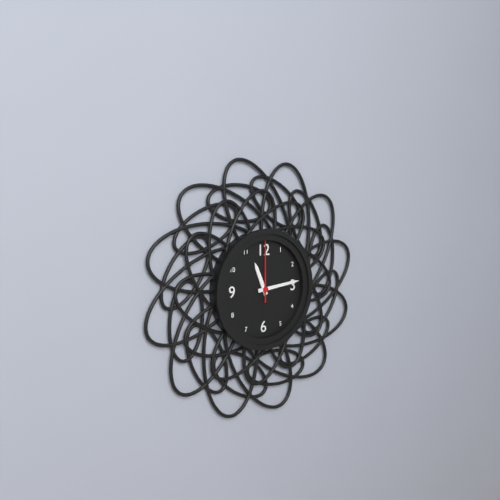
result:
{"hour": 11, "minute": 14, "second": 0}
